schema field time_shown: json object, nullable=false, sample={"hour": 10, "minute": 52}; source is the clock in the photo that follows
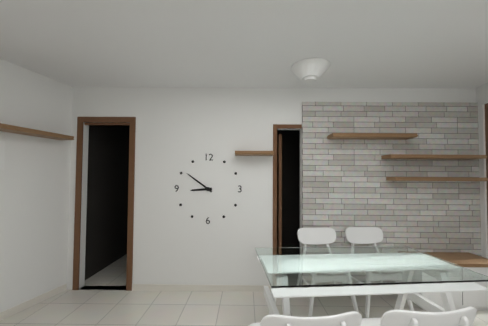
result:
{"hour": 8, "minute": 51}
